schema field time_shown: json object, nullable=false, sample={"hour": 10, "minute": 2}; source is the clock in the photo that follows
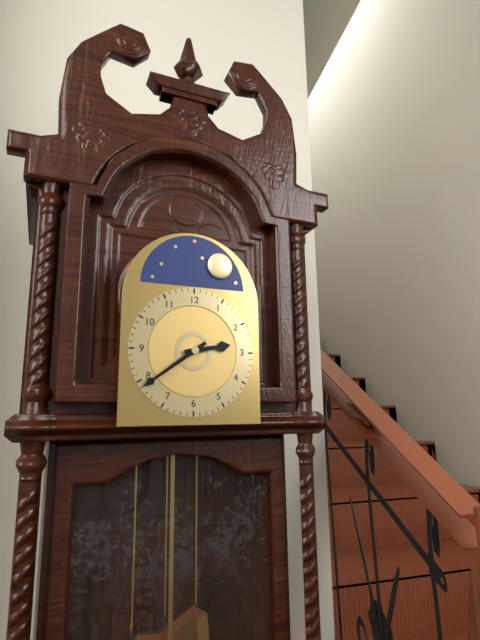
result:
{"hour": 2, "minute": 39}
